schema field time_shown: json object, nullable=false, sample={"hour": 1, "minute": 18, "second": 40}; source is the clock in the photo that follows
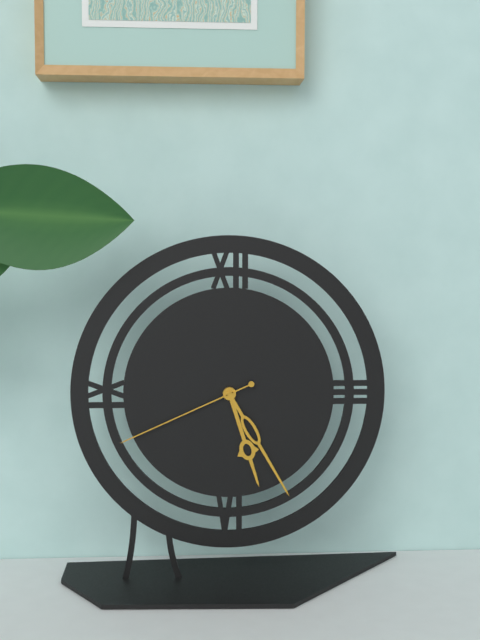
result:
{"hour": 5, "minute": 25, "second": 41}
